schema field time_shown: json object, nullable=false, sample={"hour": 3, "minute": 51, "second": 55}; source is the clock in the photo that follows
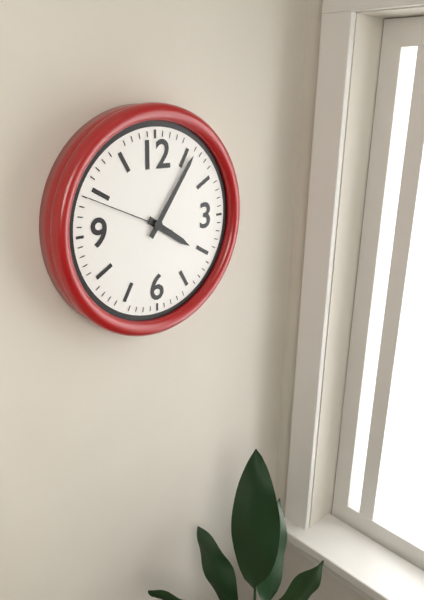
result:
{"hour": 4, "minute": 6, "second": 49}
